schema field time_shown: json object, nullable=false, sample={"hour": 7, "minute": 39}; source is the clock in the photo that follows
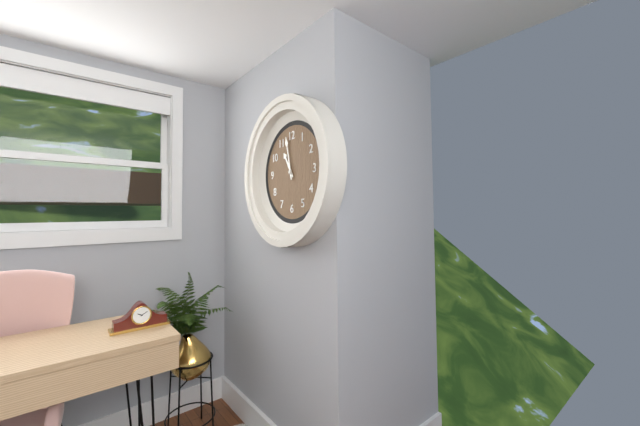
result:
{"hour": 10, "minute": 58}
